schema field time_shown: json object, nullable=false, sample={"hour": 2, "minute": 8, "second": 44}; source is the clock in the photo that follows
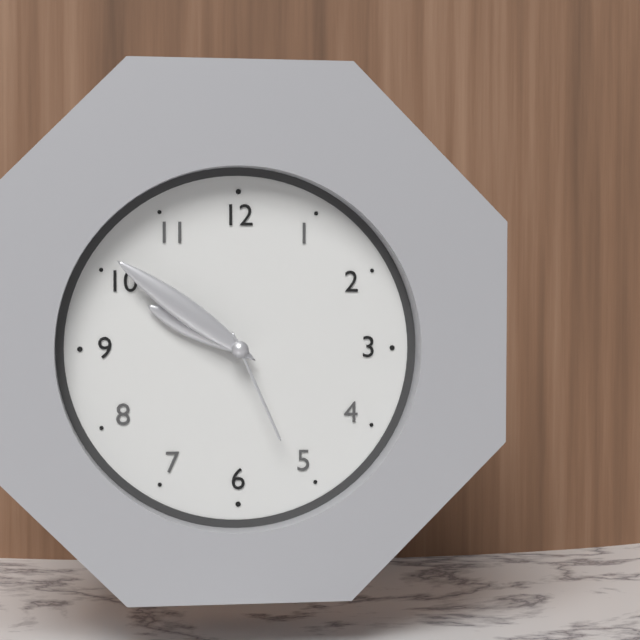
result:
{"hour": 9, "minute": 51, "second": 26}
